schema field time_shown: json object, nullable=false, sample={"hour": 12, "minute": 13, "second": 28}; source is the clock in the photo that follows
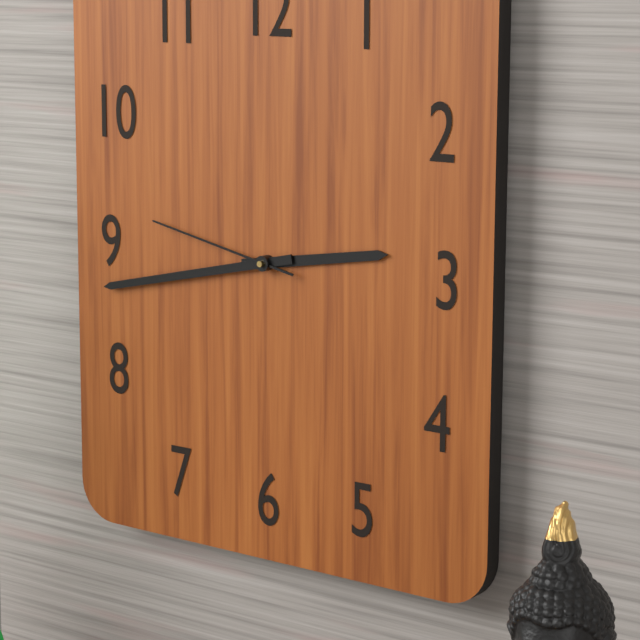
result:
{"hour": 2, "minute": 43, "second": 47}
